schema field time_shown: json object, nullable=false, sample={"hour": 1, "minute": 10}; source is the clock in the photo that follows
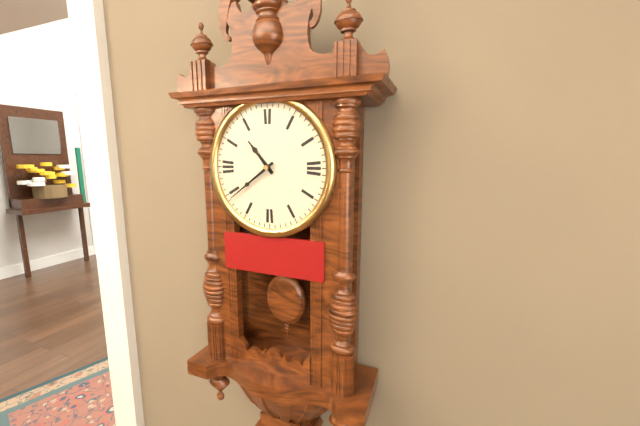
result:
{"hour": 10, "minute": 39}
